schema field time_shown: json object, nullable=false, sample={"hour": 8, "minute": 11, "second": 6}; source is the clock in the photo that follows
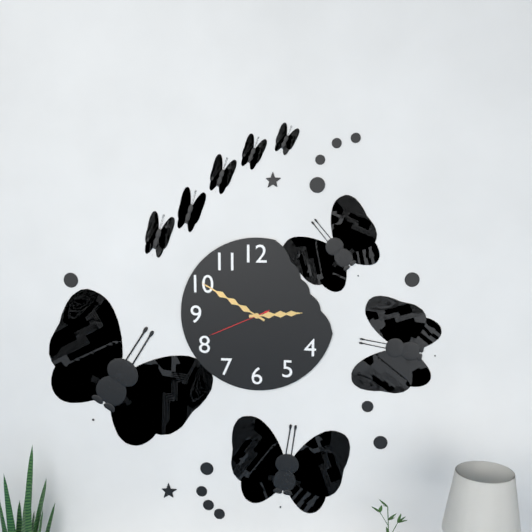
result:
{"hour": 2, "minute": 50, "second": 41}
